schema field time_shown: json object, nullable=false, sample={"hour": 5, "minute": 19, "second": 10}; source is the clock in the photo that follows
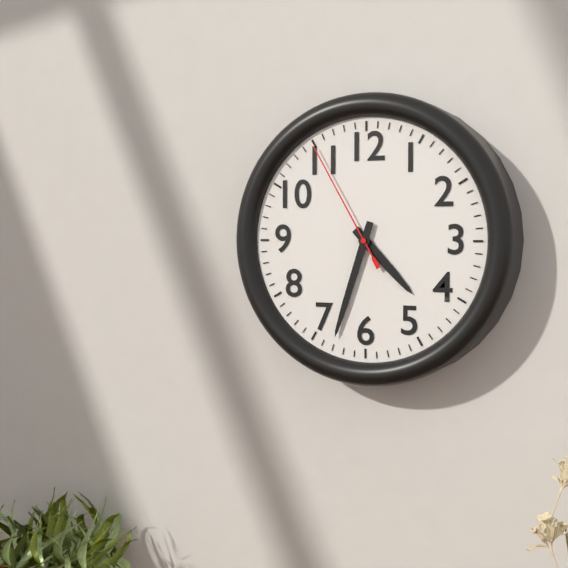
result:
{"hour": 4, "minute": 33, "second": 55}
